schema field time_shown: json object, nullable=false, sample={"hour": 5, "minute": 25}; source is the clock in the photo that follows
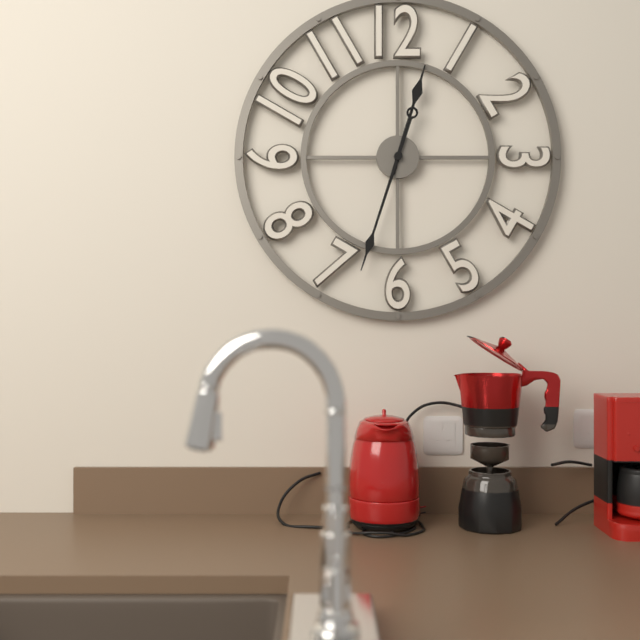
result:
{"hour": 12, "minute": 33}
